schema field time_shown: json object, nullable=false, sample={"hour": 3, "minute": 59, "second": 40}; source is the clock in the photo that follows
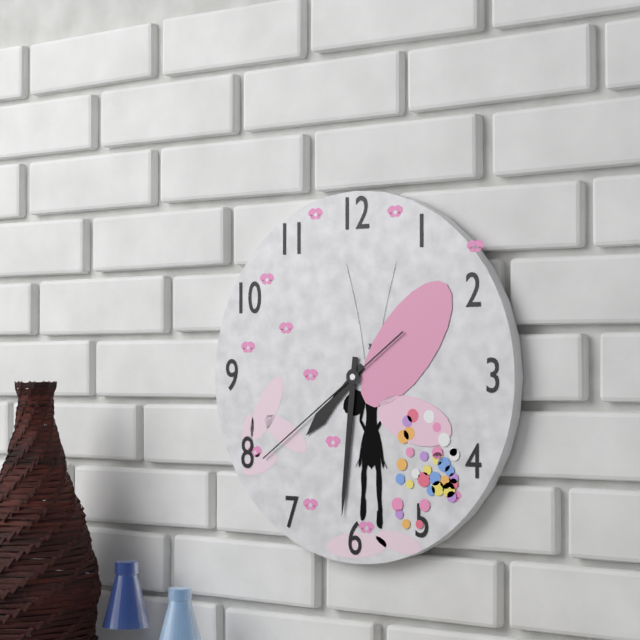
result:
{"hour": 7, "minute": 31, "second": 39}
